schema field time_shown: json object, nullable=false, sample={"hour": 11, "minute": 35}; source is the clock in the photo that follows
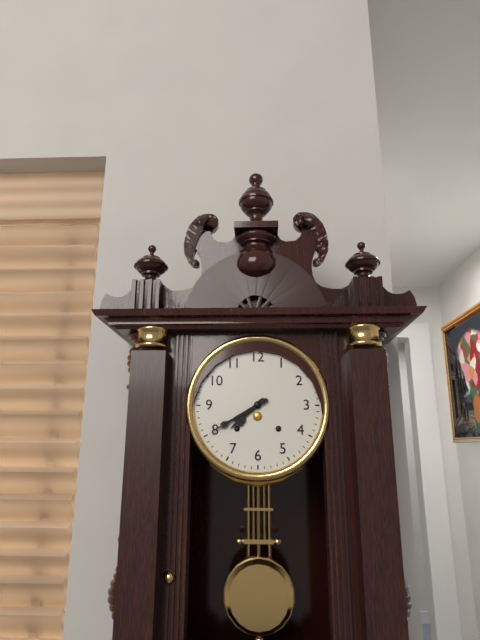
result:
{"hour": 7, "minute": 40}
